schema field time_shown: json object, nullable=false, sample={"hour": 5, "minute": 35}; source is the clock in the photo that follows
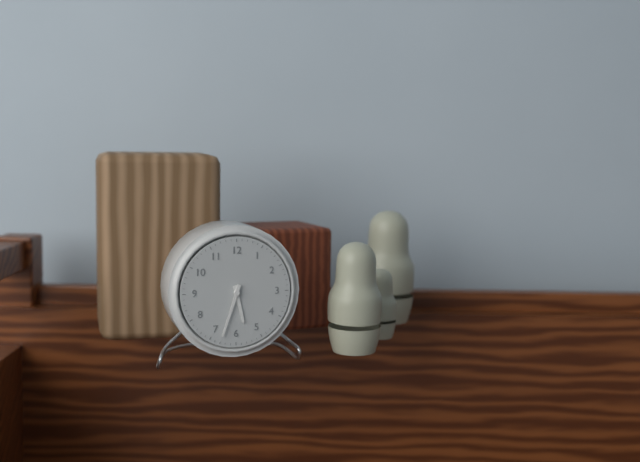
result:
{"hour": 5, "minute": 33}
